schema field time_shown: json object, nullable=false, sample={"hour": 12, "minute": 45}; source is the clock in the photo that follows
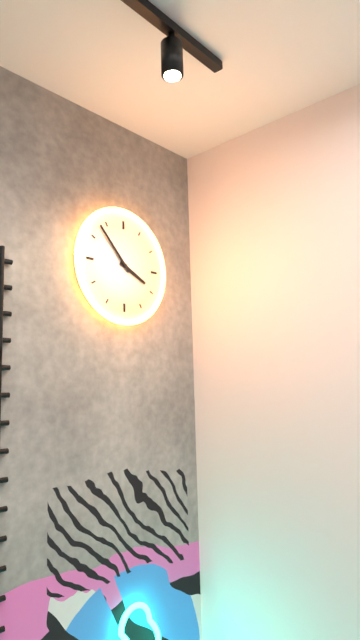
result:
{"hour": 3, "minute": 53}
